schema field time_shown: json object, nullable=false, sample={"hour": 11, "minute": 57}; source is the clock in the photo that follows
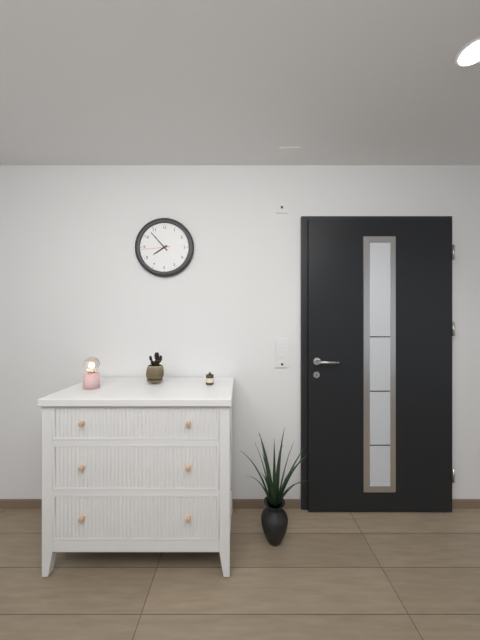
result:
{"hour": 7, "minute": 53}
